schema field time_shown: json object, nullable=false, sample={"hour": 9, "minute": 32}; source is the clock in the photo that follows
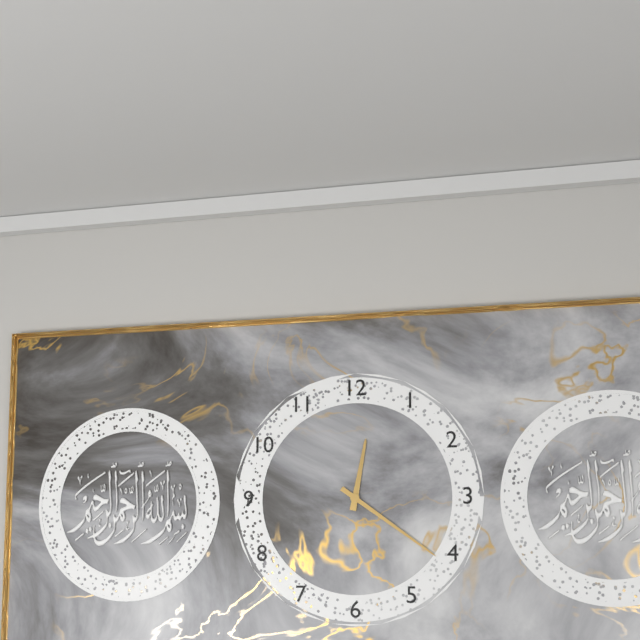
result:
{"hour": 12, "minute": 21}
